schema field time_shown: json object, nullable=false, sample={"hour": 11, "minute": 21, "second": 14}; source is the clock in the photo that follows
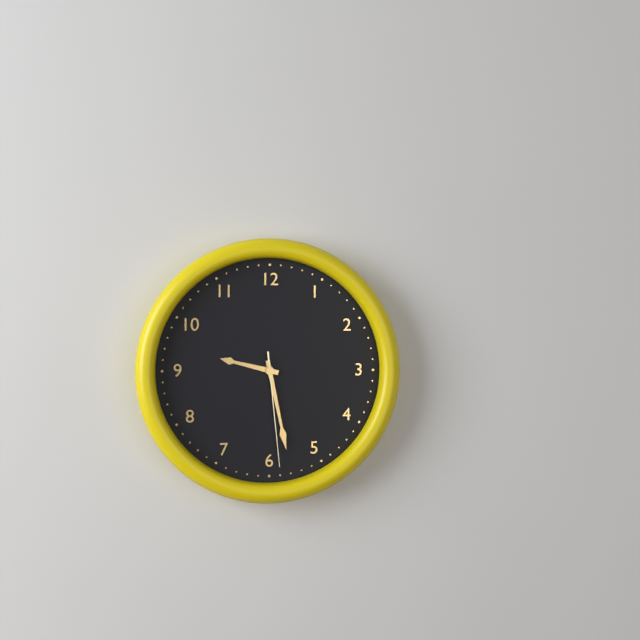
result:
{"hour": 9, "minute": 28, "second": 29}
